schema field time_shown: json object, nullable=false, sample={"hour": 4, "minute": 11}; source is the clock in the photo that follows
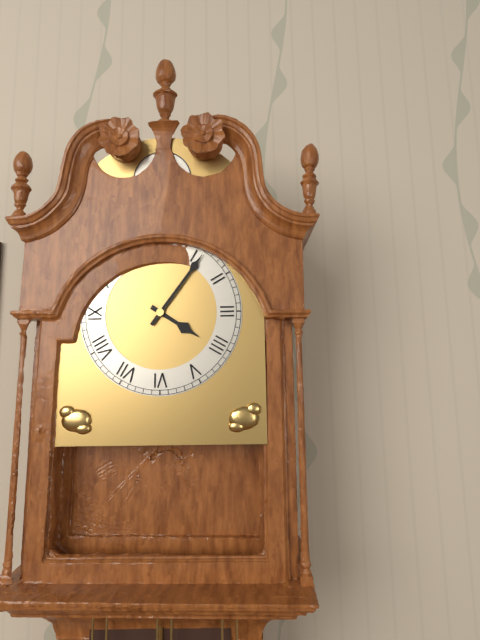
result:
{"hour": 4, "minute": 6}
